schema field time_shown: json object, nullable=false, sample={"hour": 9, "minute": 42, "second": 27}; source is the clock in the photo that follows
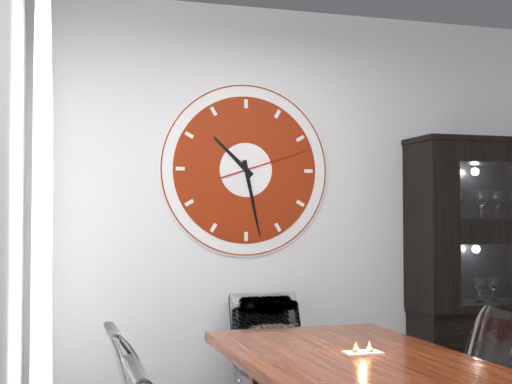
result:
{"hour": 10, "minute": 28, "second": 12}
